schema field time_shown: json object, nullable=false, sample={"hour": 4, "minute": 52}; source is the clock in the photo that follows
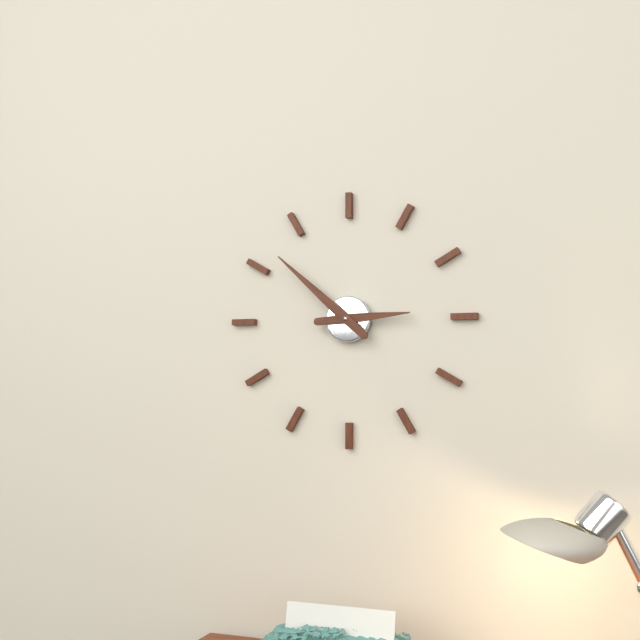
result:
{"hour": 2, "minute": 52}
